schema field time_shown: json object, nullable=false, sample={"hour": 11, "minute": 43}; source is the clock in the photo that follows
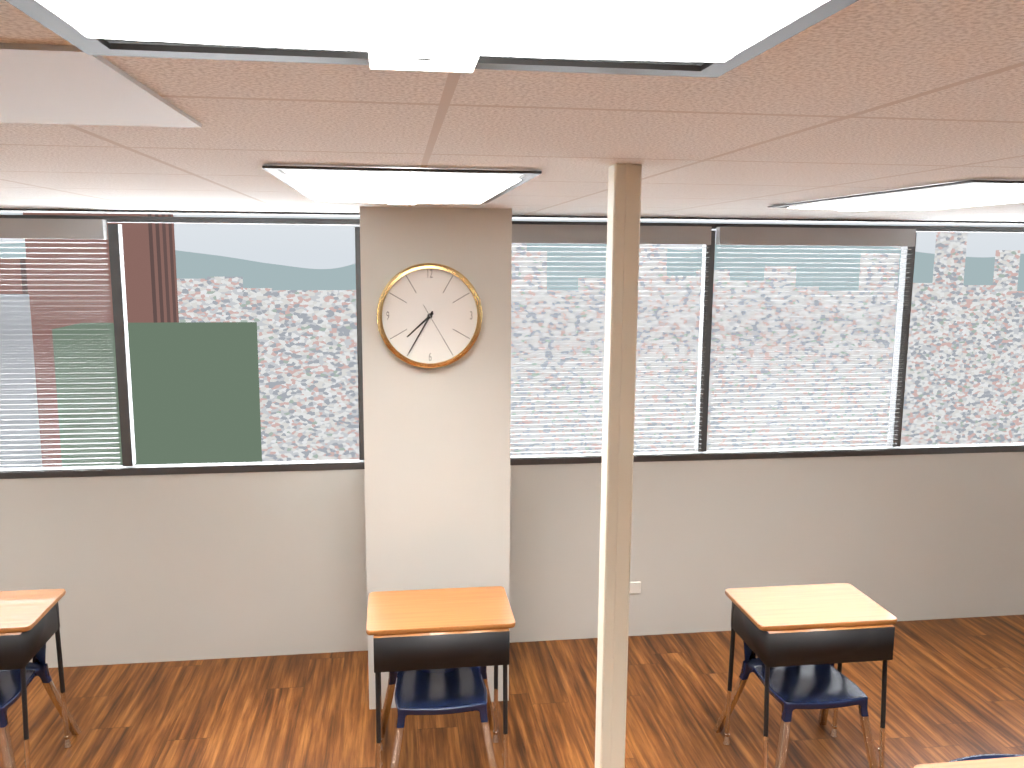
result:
{"hour": 7, "minute": 35}
